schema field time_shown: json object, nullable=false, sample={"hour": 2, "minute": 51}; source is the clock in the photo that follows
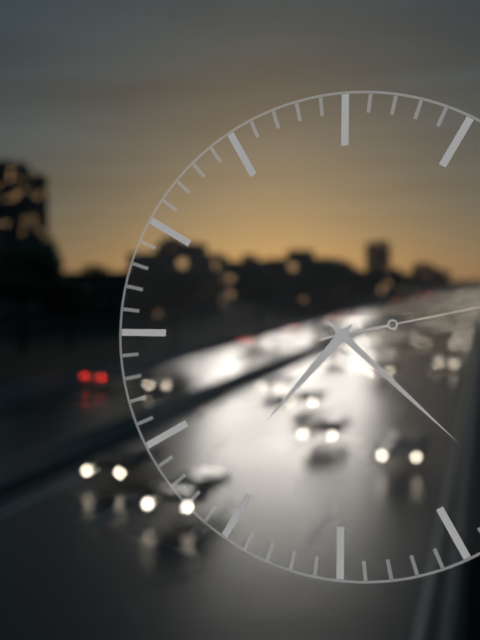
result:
{"hour": 7, "minute": 22}
